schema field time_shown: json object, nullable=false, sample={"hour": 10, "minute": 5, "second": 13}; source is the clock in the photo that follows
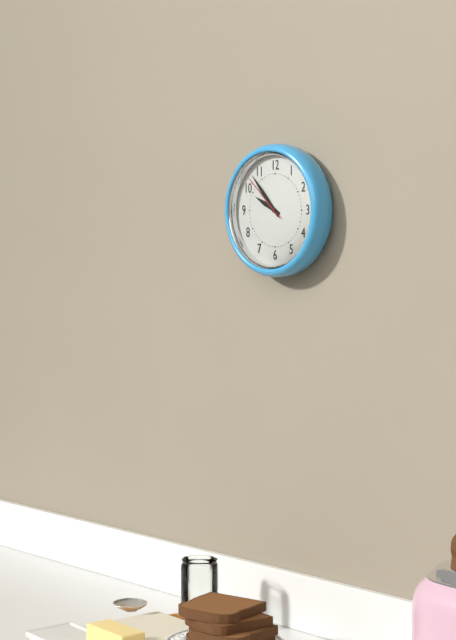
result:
{"hour": 9, "minute": 53, "second": 52}
